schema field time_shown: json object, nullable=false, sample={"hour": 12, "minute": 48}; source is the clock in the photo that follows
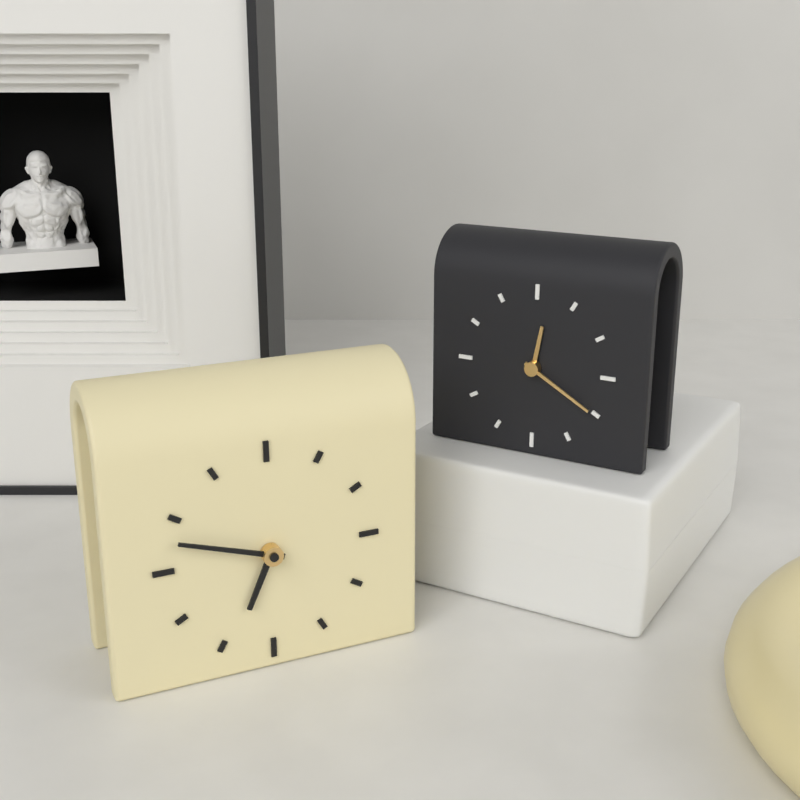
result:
{"hour": 6, "minute": 48}
